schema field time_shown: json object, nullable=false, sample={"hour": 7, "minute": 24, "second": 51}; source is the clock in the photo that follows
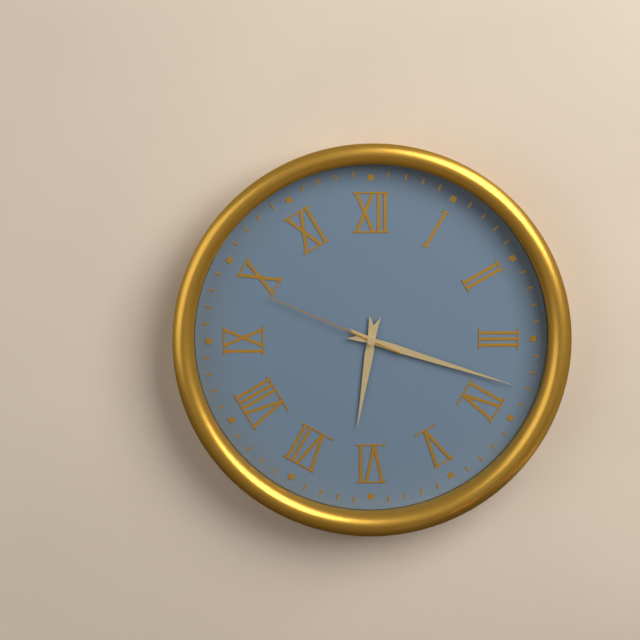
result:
{"hour": 6, "minute": 18, "second": 49}
